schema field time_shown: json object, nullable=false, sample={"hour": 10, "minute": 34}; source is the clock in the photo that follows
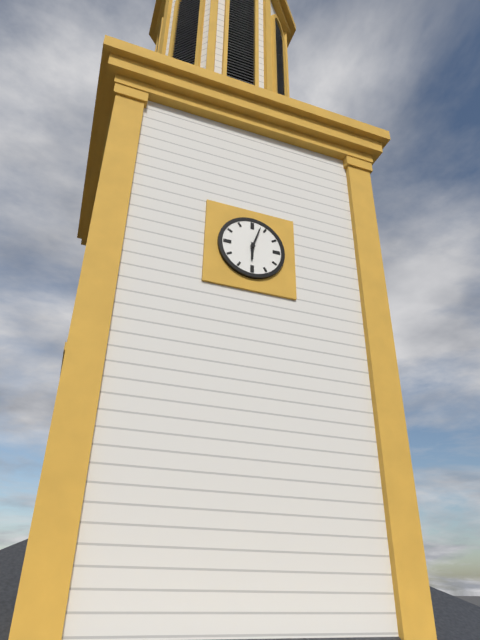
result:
{"hour": 6, "minute": 3}
